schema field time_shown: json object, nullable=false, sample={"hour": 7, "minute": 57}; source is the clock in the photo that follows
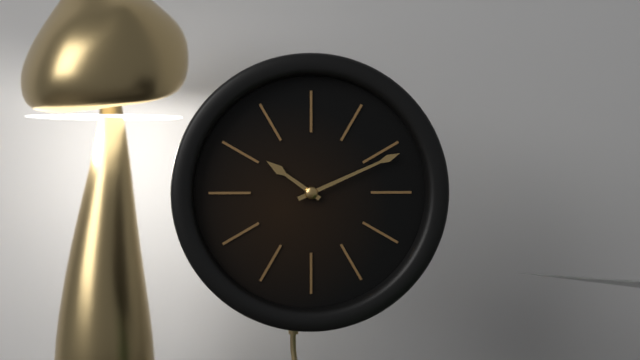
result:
{"hour": 10, "minute": 11}
